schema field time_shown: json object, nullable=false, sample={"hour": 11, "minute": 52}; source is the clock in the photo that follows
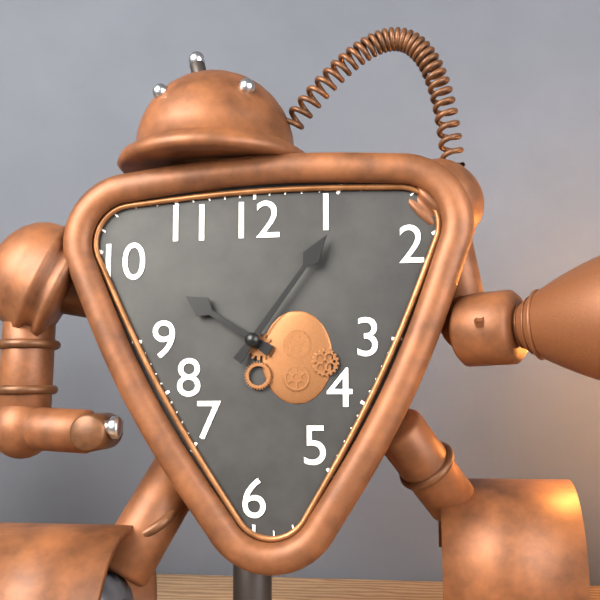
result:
{"hour": 10, "minute": 6}
